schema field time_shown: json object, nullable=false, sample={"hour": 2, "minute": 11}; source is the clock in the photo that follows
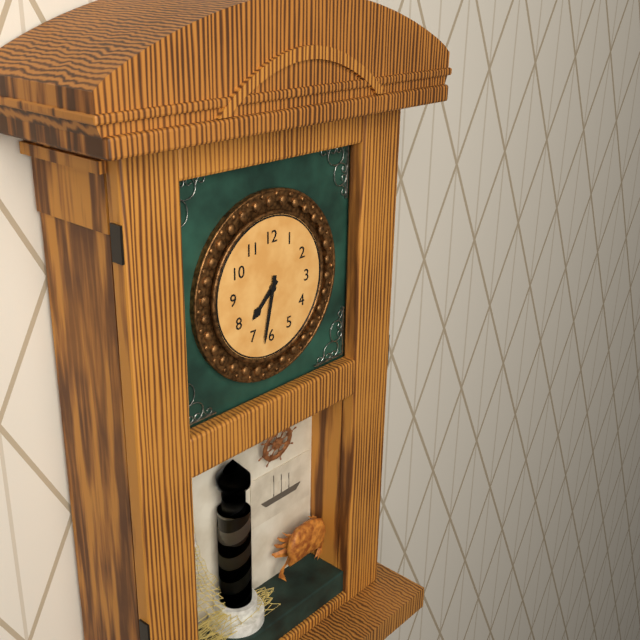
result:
{"hour": 7, "minute": 32}
